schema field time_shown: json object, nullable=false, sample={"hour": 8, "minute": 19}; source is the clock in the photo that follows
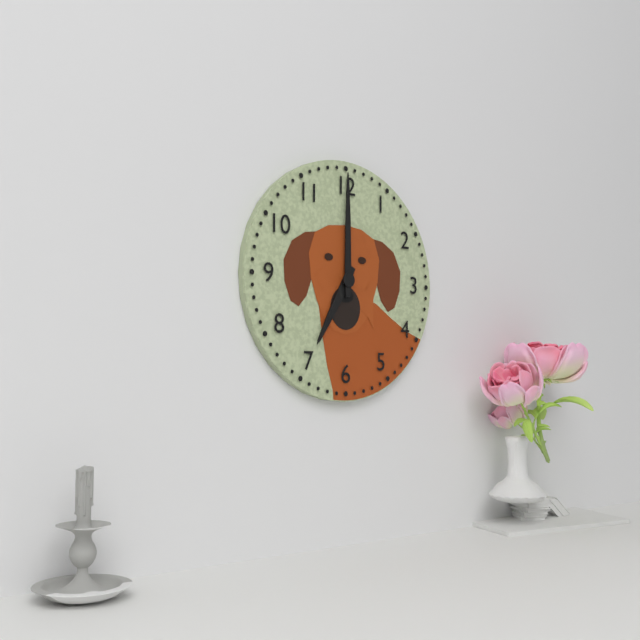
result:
{"hour": 7, "minute": 0}
